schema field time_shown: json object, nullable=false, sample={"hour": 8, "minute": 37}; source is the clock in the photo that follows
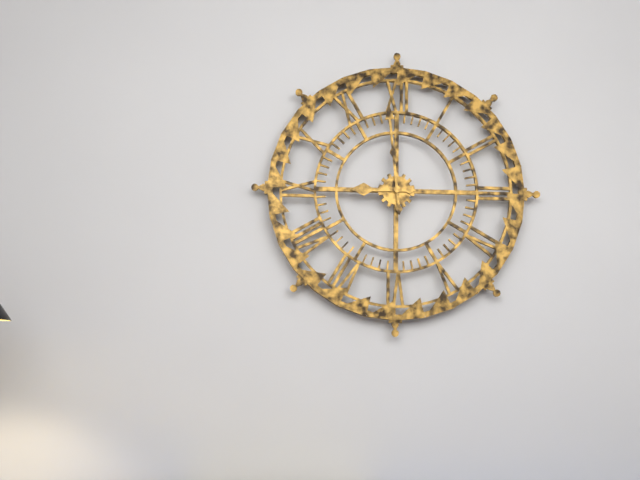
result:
{"hour": 8, "minute": 59}
